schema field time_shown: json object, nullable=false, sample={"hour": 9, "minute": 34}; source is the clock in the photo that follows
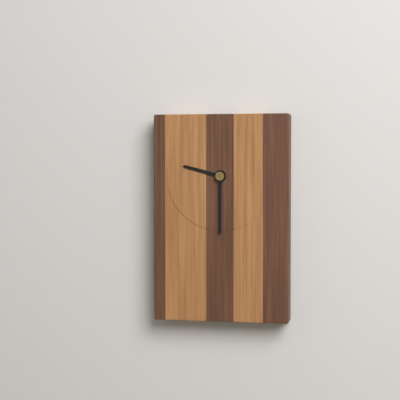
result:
{"hour": 9, "minute": 30}
